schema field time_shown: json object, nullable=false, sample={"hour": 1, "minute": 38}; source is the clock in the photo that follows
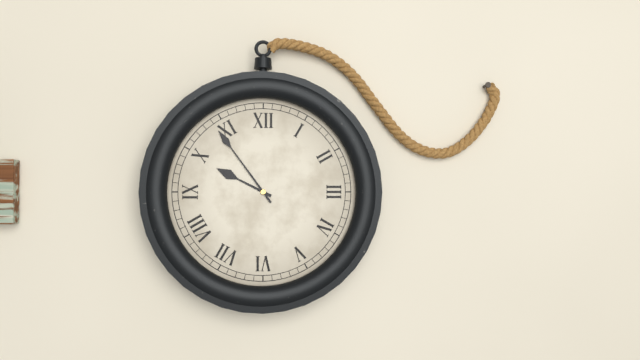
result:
{"hour": 9, "minute": 54}
